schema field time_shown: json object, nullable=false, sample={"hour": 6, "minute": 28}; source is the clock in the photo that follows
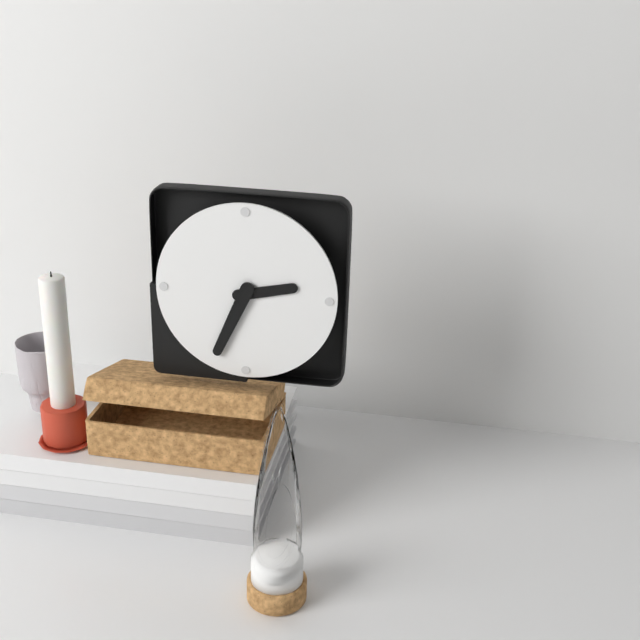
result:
{"hour": 2, "minute": 34}
